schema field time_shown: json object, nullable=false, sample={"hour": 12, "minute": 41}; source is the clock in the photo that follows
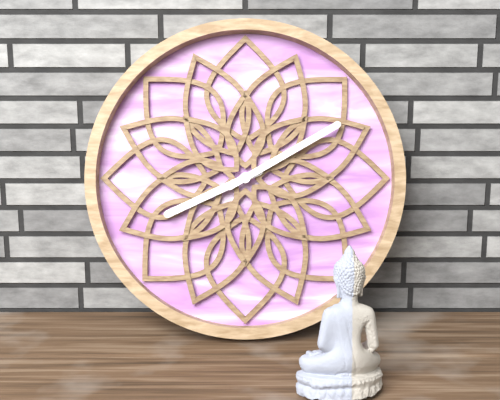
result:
{"hour": 8, "minute": 10}
